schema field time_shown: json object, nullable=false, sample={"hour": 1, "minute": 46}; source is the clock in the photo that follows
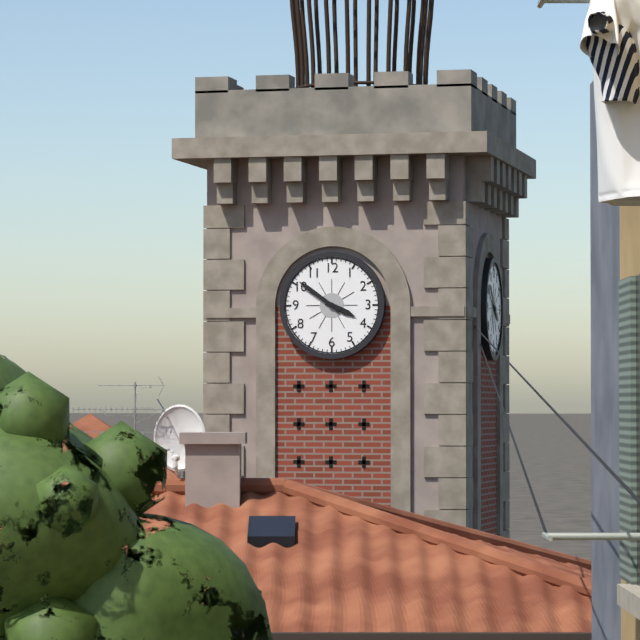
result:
{"hour": 3, "minute": 51}
